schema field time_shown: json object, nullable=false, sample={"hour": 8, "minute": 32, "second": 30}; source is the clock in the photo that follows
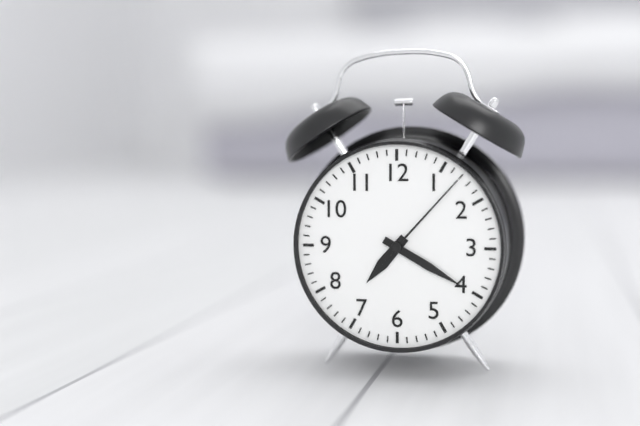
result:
{"hour": 7, "minute": 20, "second": 7}
